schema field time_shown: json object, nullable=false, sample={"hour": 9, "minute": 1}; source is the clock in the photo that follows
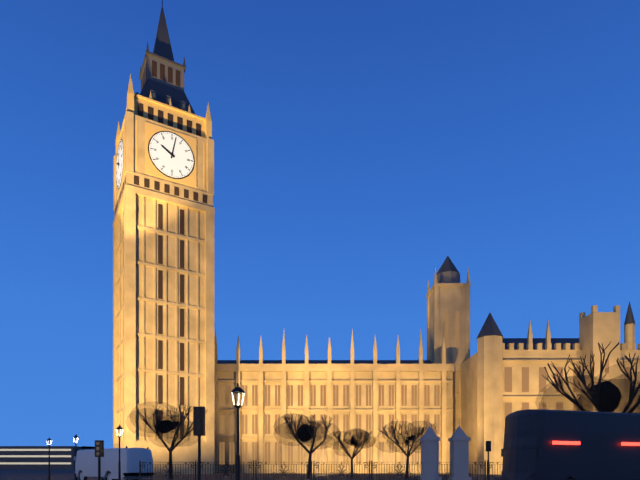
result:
{"hour": 10, "minute": 2}
